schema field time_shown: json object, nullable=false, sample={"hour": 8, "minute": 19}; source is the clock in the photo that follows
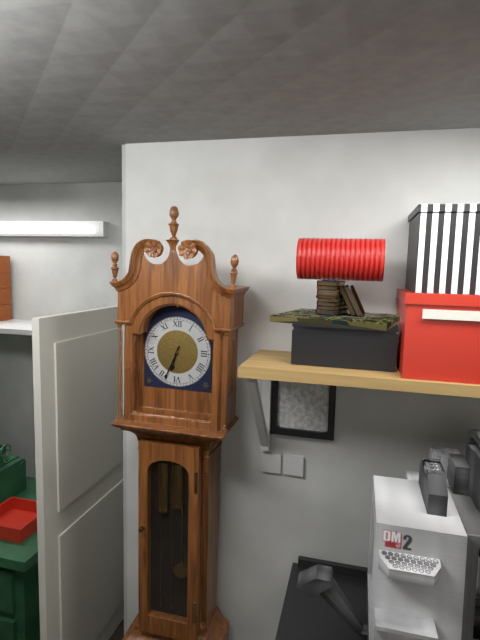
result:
{"hour": 6, "minute": 34}
